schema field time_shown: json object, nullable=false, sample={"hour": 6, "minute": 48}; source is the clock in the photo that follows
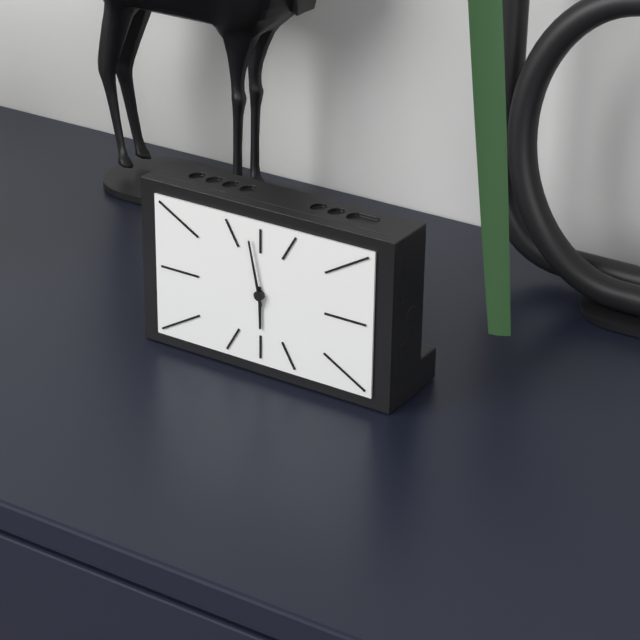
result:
{"hour": 5, "minute": 58}
